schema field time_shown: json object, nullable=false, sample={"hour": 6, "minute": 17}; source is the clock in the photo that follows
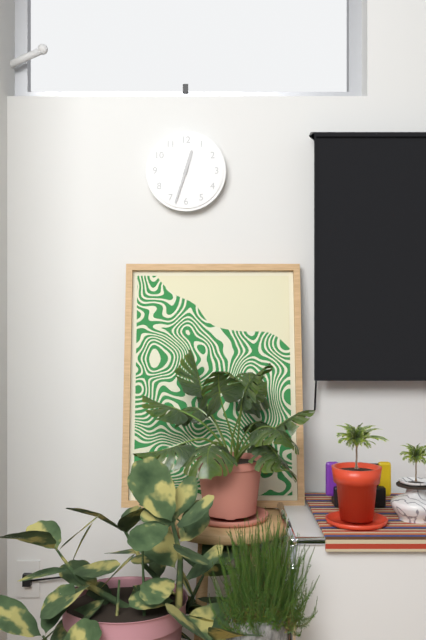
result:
{"hour": 12, "minute": 33}
